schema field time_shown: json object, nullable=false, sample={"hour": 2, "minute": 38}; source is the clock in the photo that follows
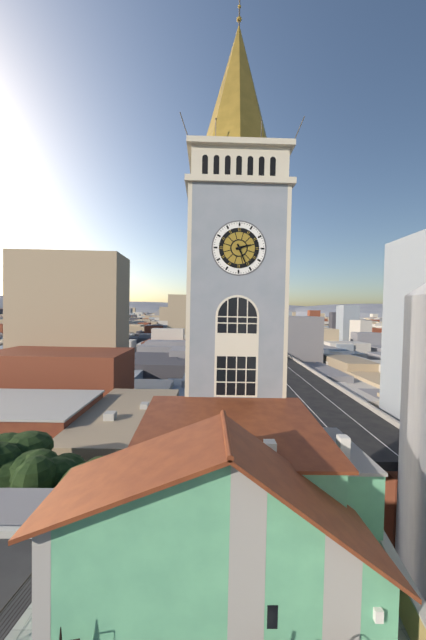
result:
{"hour": 2, "minute": 26}
